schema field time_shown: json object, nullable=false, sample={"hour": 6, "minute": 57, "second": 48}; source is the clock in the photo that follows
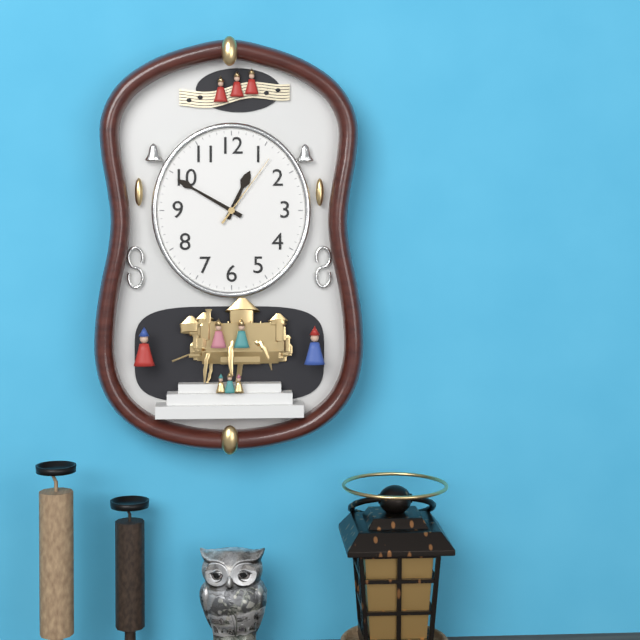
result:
{"hour": 12, "minute": 50, "second": 6}
